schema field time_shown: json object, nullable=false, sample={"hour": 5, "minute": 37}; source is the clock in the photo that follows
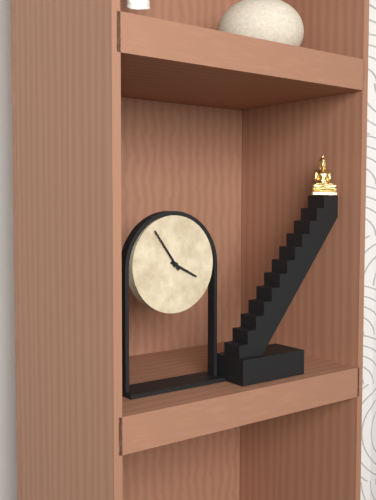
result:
{"hour": 3, "minute": 54}
